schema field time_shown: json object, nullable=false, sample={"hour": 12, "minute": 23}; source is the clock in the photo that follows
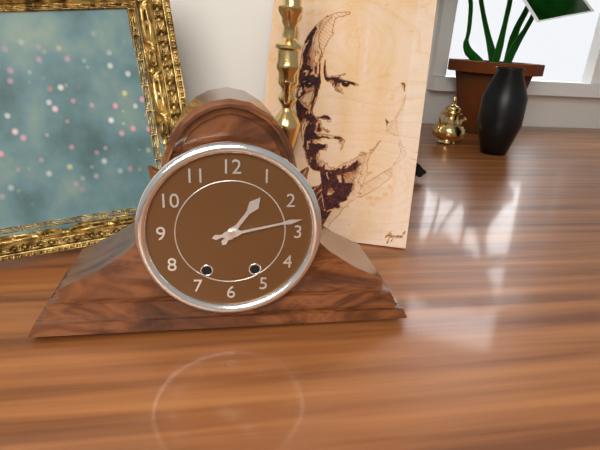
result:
{"hour": 1, "minute": 13}
